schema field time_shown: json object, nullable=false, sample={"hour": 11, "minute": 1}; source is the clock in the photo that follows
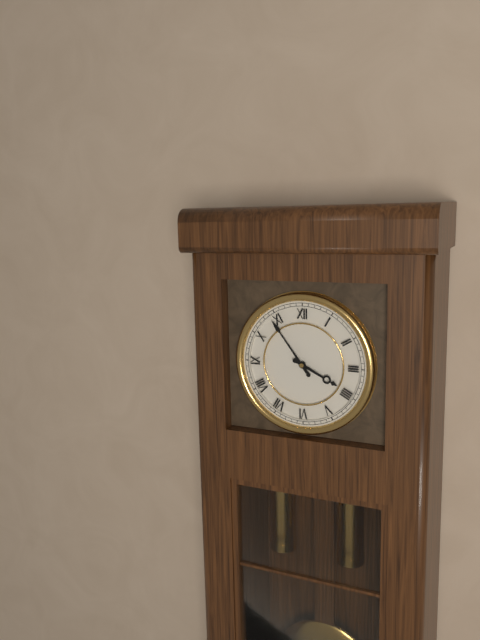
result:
{"hour": 3, "minute": 54}
